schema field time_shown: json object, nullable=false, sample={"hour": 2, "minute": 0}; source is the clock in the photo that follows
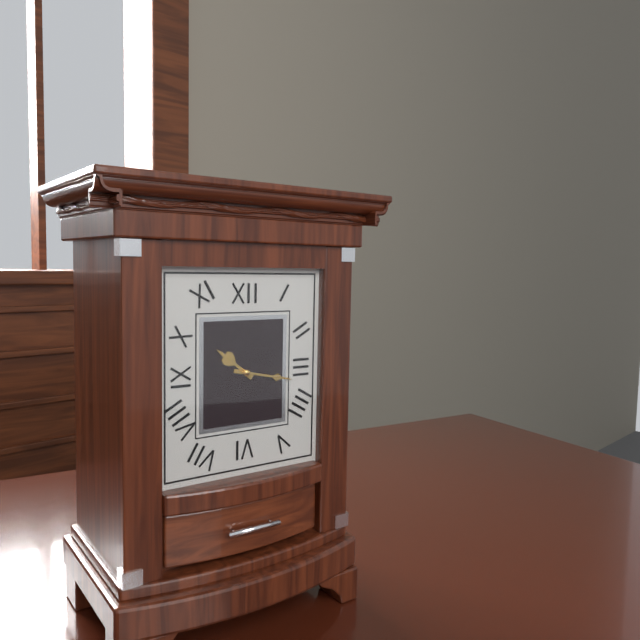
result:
{"hour": 10, "minute": 17}
